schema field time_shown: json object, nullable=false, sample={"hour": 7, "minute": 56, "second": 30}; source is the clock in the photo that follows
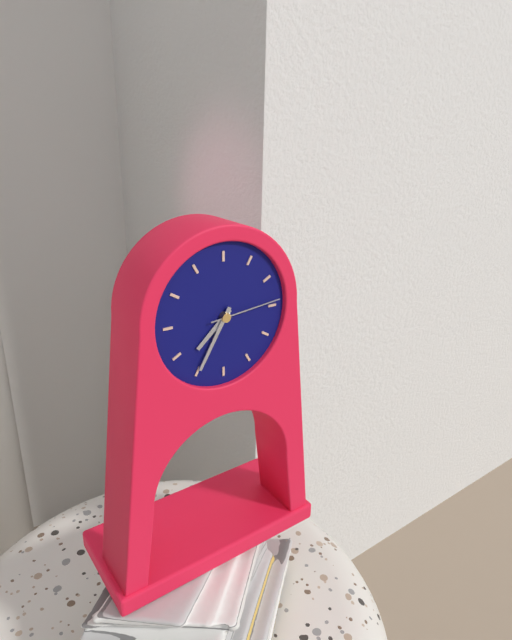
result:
{"hour": 7, "minute": 35, "second": 14}
